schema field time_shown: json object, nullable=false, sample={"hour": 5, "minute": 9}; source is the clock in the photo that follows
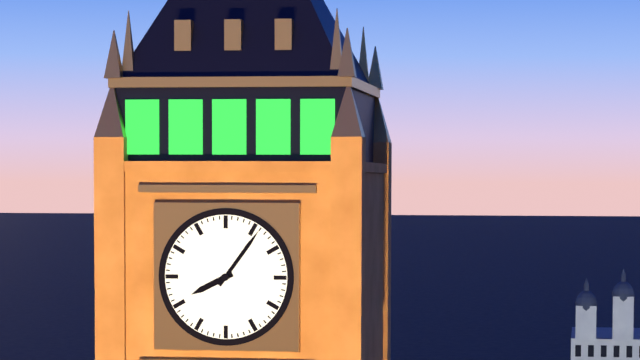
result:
{"hour": 8, "minute": 6}
